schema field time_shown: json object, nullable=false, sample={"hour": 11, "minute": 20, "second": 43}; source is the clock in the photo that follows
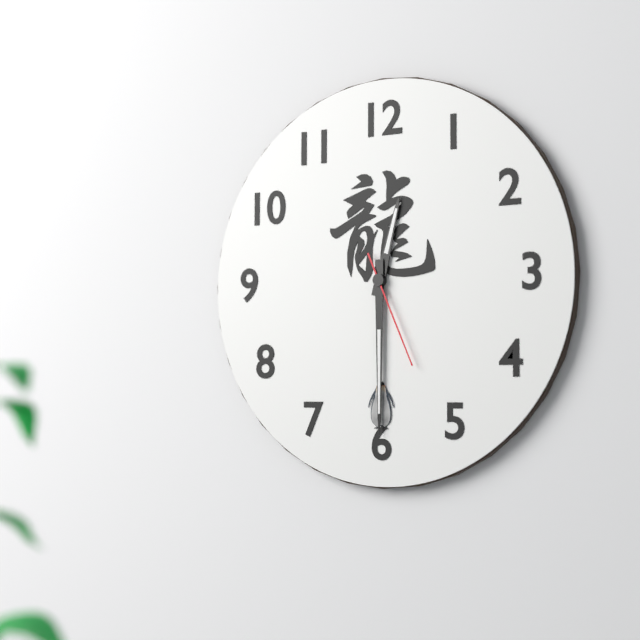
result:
{"hour": 12, "minute": 30, "second": 26}
